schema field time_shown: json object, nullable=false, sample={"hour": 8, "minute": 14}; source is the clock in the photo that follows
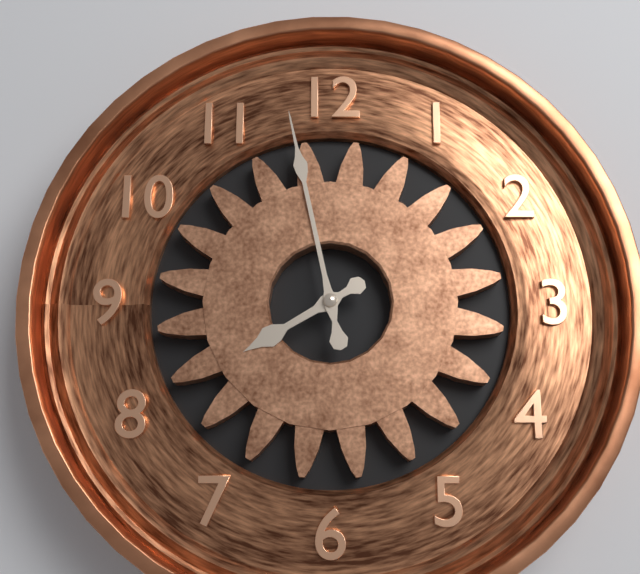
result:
{"hour": 7, "minute": 58}
